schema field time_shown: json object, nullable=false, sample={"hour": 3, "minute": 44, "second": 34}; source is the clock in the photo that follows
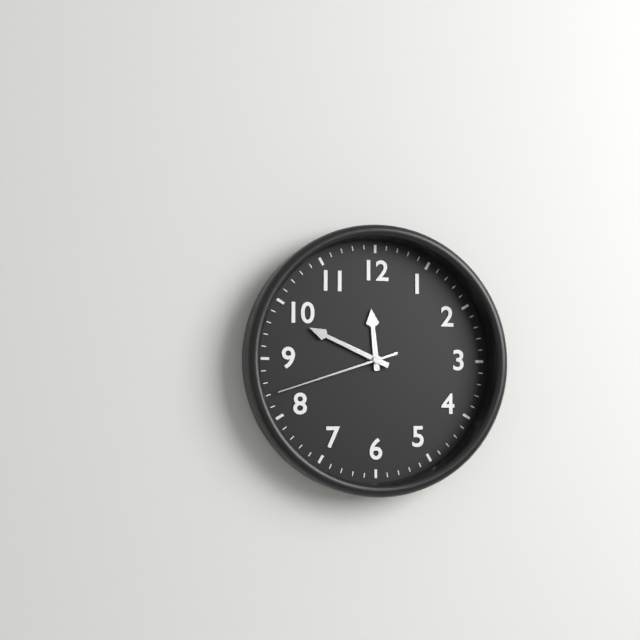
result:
{"hour": 11, "minute": 49, "second": 42}
